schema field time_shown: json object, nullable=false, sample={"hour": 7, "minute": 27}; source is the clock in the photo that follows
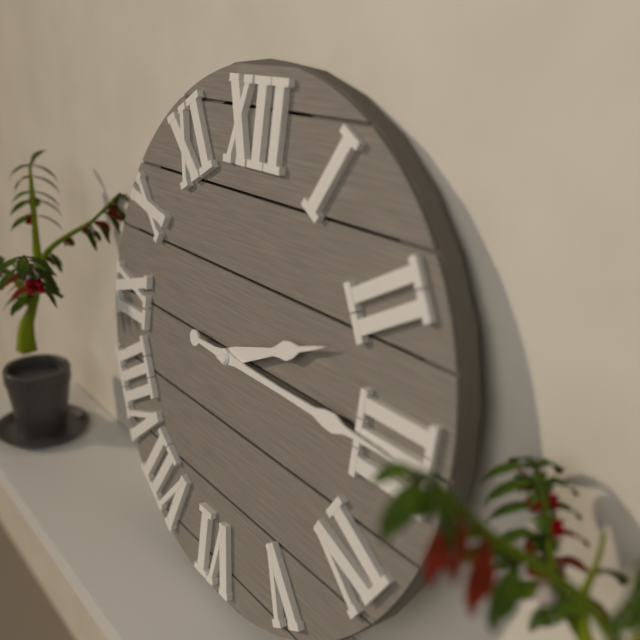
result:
{"hour": 2, "minute": 15}
